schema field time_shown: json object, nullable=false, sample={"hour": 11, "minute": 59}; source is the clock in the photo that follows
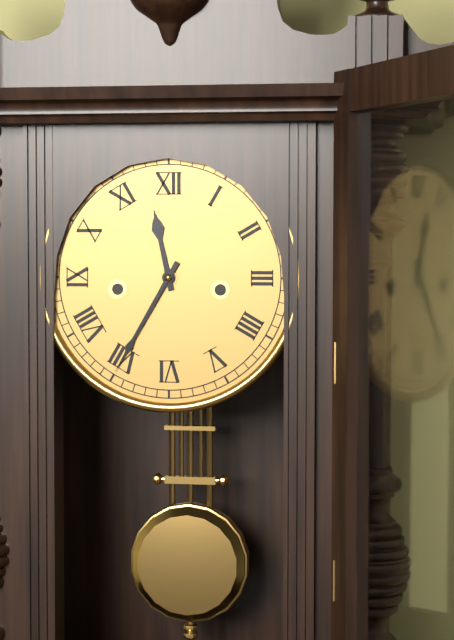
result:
{"hour": 11, "minute": 35}
